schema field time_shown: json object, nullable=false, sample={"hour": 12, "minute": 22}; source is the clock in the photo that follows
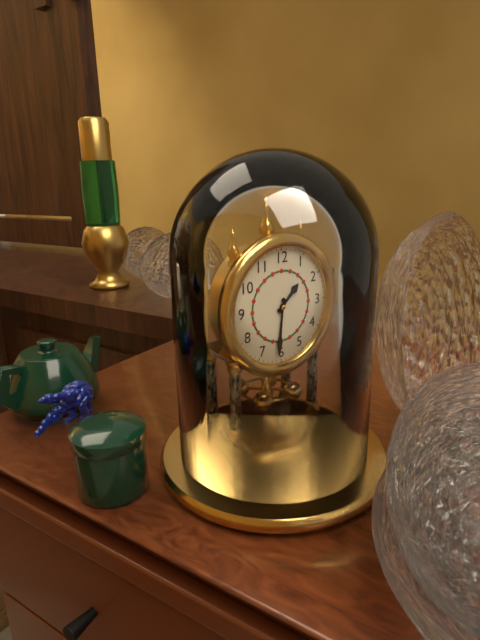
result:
{"hour": 1, "minute": 31}
